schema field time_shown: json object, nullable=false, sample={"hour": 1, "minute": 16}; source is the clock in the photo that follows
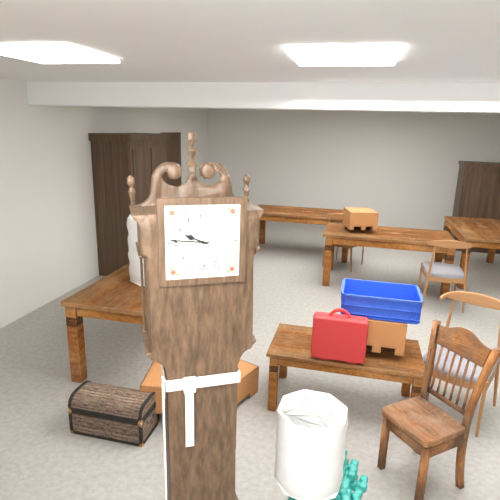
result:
{"hour": 9, "minute": 46}
